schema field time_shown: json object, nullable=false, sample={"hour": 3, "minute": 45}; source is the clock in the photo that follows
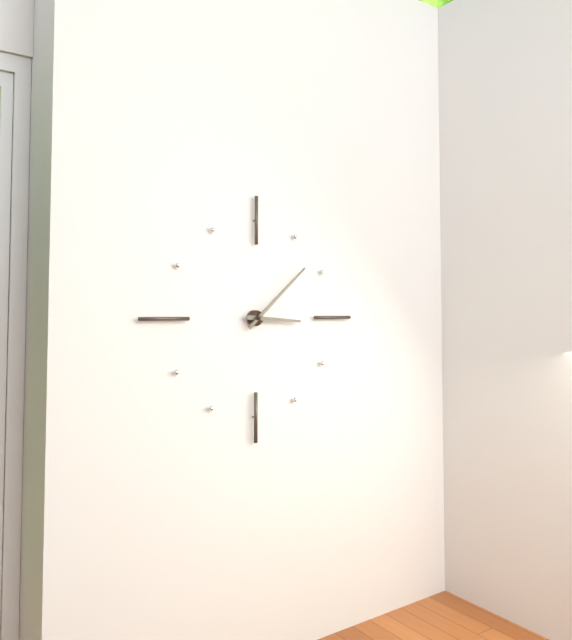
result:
{"hour": 3, "minute": 8}
